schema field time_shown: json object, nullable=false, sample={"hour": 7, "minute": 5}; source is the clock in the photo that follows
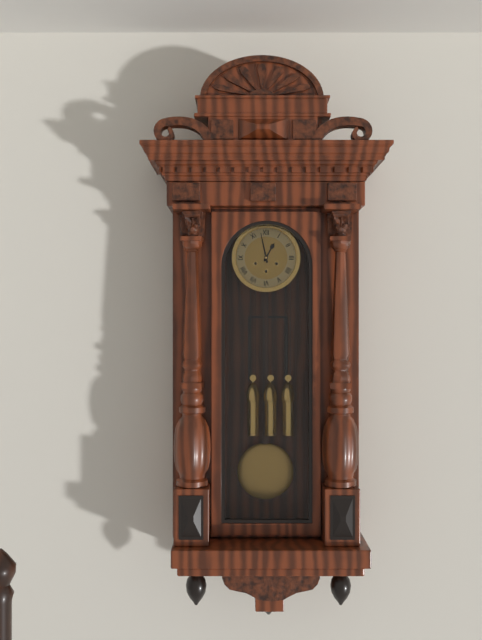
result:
{"hour": 12, "minute": 58}
